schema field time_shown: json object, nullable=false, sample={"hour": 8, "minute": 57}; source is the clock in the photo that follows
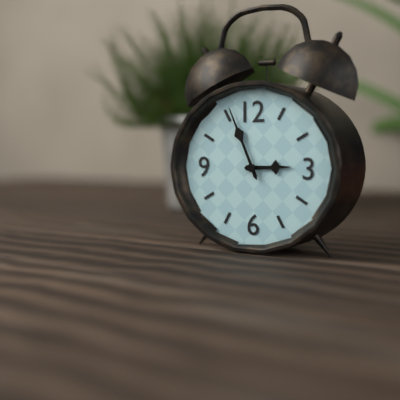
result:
{"hour": 2, "minute": 56}
